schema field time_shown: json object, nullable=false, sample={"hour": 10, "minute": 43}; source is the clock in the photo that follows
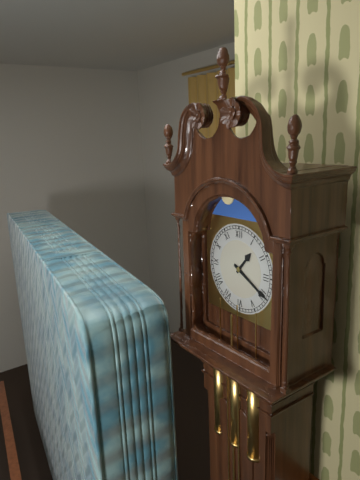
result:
{"hour": 1, "minute": 20}
